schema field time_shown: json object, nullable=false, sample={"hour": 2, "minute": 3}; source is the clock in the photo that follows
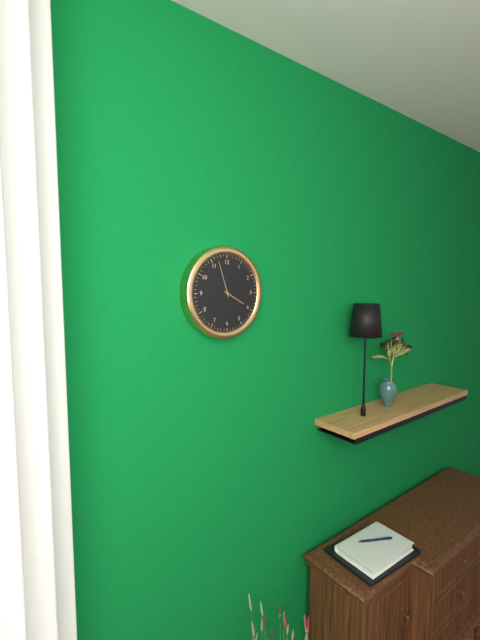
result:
{"hour": 3, "minute": 57}
